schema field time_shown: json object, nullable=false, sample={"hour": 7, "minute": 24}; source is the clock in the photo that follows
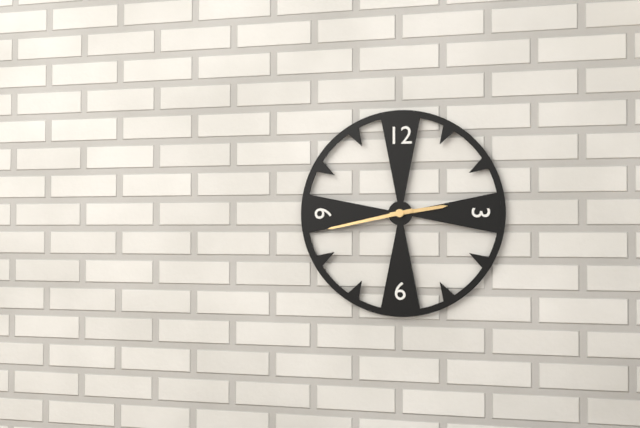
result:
{"hour": 2, "minute": 43}
